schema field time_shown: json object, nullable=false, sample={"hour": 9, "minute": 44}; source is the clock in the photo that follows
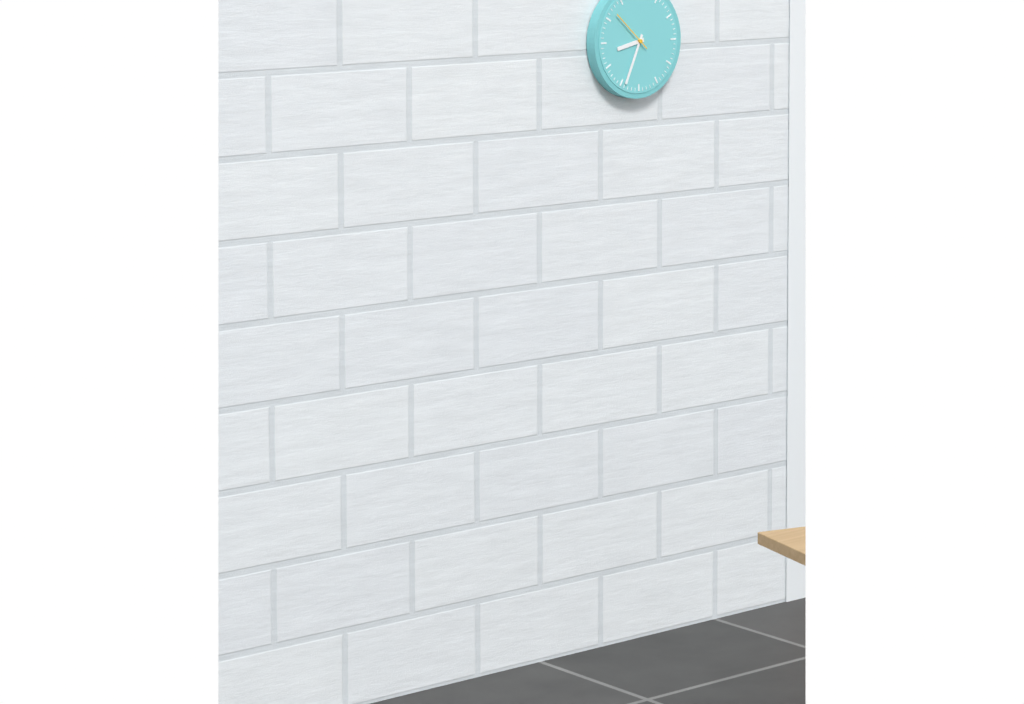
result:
{"hour": 8, "minute": 34}
